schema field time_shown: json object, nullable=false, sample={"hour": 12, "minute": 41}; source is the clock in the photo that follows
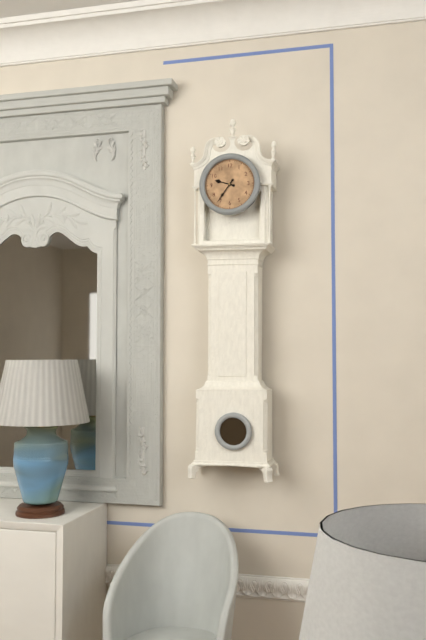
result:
{"hour": 9, "minute": 36}
